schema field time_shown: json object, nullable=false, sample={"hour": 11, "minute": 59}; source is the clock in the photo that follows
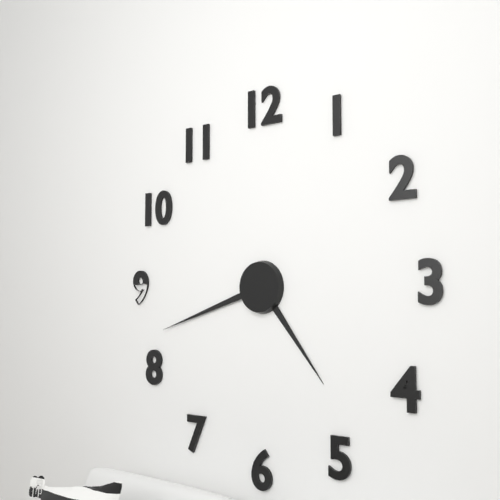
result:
{"hour": 4, "minute": 42}
